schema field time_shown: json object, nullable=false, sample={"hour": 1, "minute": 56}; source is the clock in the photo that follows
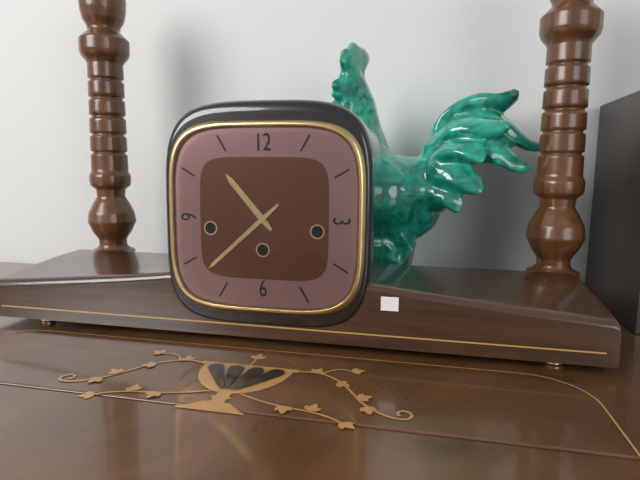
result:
{"hour": 10, "minute": 38}
